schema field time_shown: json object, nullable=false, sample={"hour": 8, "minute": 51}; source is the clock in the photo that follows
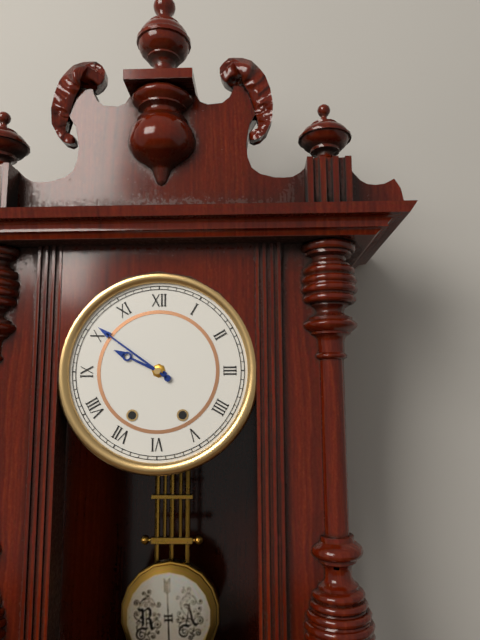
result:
{"hour": 9, "minute": 51}
